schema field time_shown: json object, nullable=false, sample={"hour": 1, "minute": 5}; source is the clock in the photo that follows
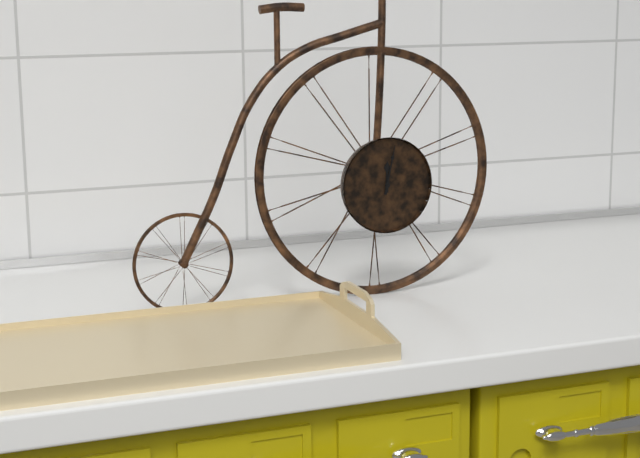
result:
{"hour": 12, "minute": 2}
